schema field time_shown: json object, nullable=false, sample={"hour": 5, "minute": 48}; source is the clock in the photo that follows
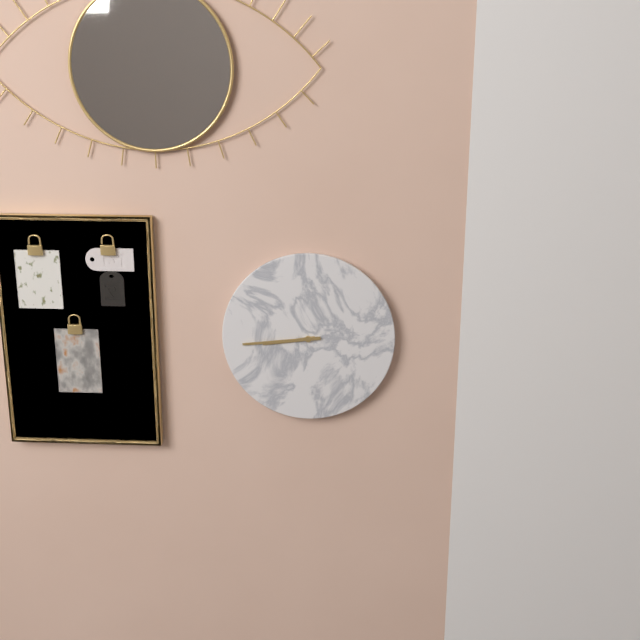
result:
{"hour": 8, "minute": 44}
